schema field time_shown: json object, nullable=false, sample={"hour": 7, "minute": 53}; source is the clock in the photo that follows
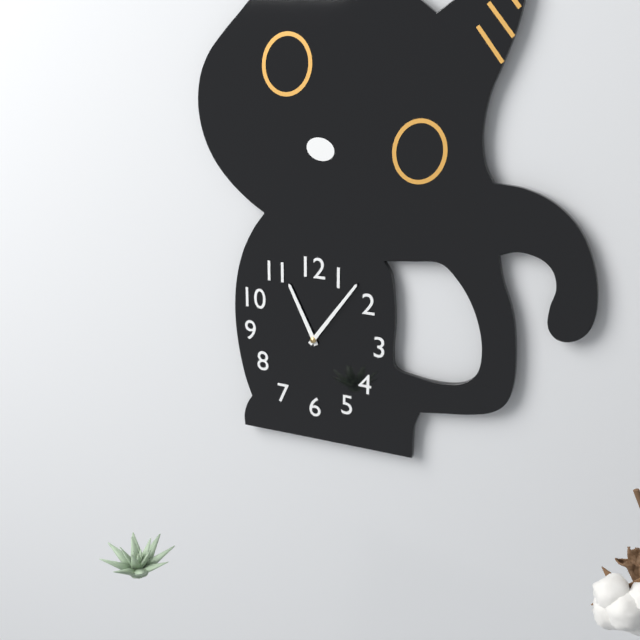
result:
{"hour": 11, "minute": 6}
